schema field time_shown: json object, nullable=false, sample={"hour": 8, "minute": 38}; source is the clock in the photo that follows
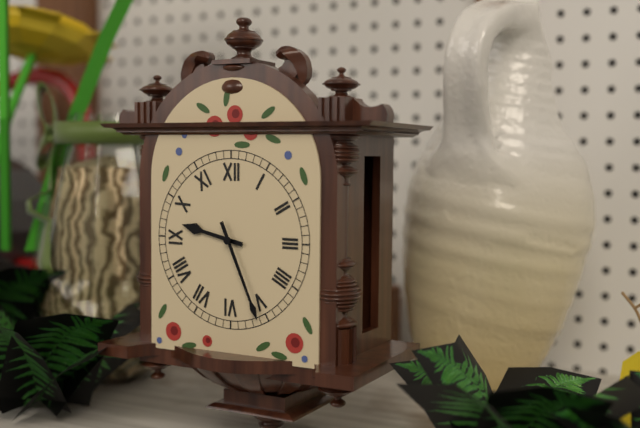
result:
{"hour": 9, "minute": 26}
